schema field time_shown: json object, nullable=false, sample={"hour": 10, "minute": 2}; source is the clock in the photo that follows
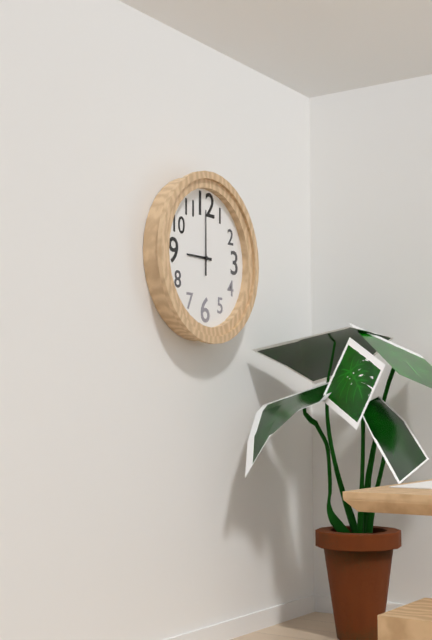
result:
{"hour": 9, "minute": 0}
